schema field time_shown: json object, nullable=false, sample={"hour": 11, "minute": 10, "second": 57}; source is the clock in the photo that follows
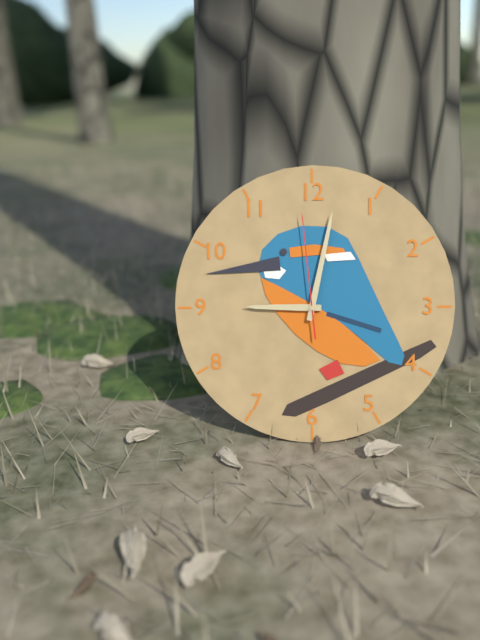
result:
{"hour": 9, "minute": 2, "second": 59}
